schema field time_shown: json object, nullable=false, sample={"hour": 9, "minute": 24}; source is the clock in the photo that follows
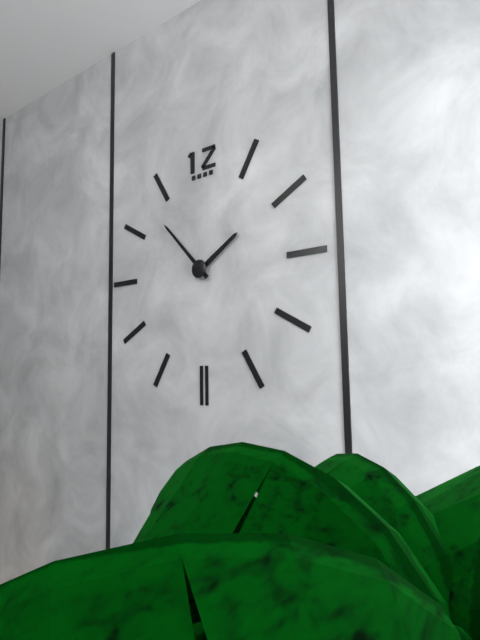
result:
{"hour": 1, "minute": 53}
